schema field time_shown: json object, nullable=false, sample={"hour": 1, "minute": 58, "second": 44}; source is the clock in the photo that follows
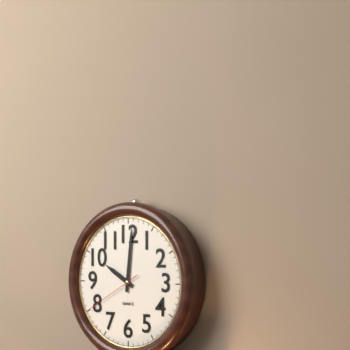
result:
{"hour": 10, "minute": 1, "second": 40}
